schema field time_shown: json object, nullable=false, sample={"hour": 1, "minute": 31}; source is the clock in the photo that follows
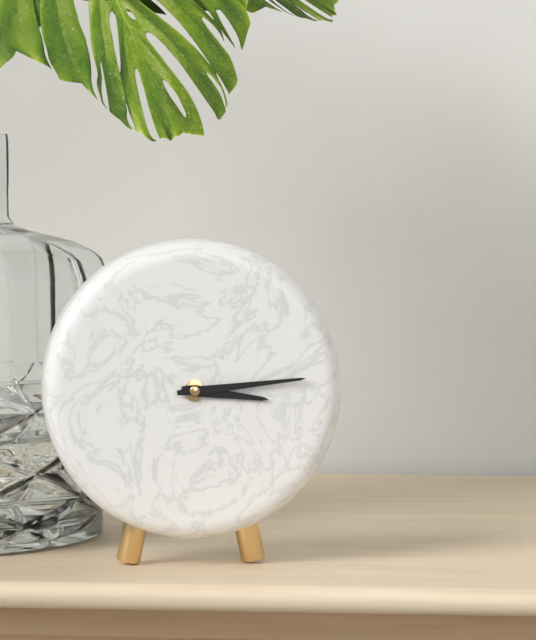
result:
{"hour": 3, "minute": 14}
